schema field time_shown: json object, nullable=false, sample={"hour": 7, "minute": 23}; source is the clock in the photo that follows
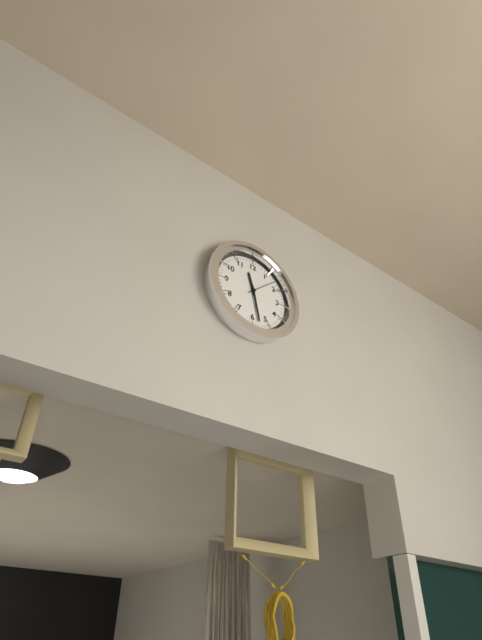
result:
{"hour": 11, "minute": 28}
